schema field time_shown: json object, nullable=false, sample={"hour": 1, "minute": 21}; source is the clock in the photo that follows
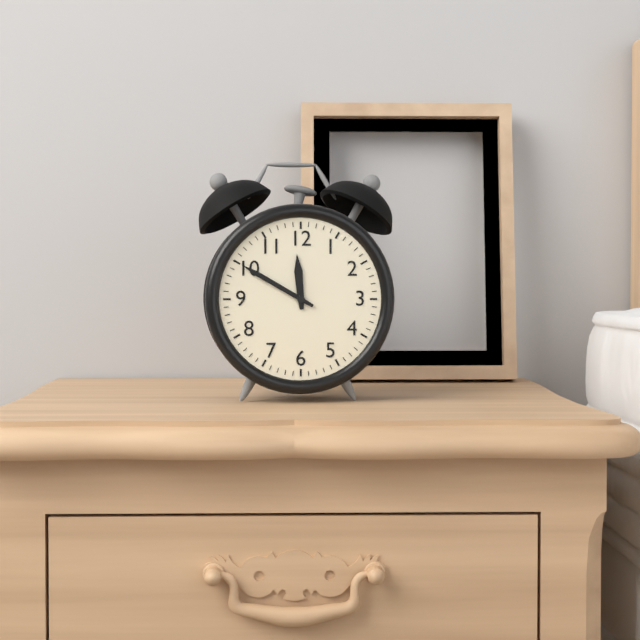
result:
{"hour": 11, "minute": 50}
